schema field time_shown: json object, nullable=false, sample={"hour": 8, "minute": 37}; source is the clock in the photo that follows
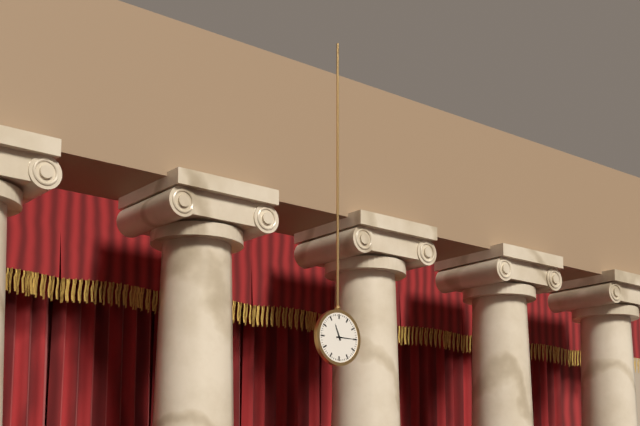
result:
{"hour": 11, "minute": 15}
